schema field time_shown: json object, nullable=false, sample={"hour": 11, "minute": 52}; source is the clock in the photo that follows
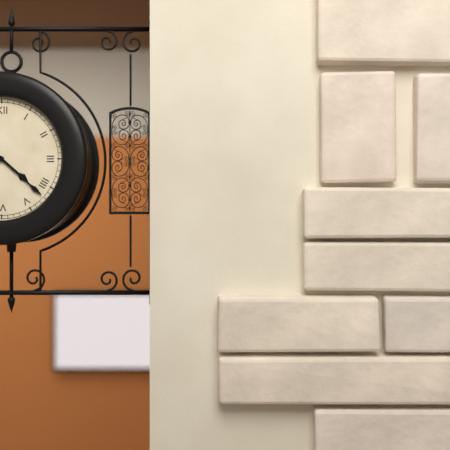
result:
{"hour": 4, "minute": 22}
